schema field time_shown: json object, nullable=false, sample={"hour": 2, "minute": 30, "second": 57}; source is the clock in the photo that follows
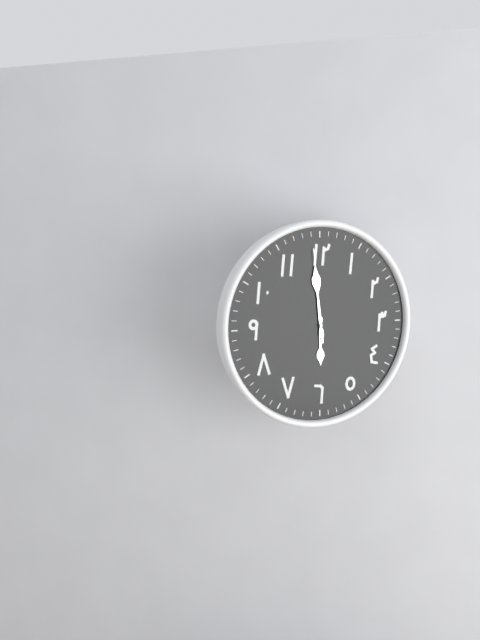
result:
{"hour": 5, "minute": 59, "second": 59}
